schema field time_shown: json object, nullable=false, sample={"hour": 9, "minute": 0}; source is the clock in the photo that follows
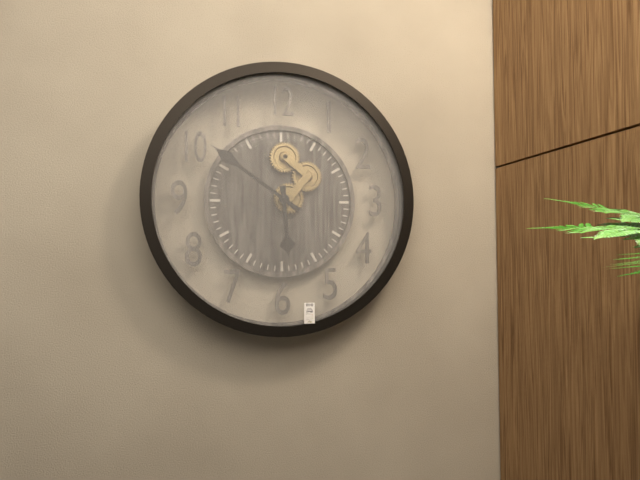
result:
{"hour": 5, "minute": 51}
